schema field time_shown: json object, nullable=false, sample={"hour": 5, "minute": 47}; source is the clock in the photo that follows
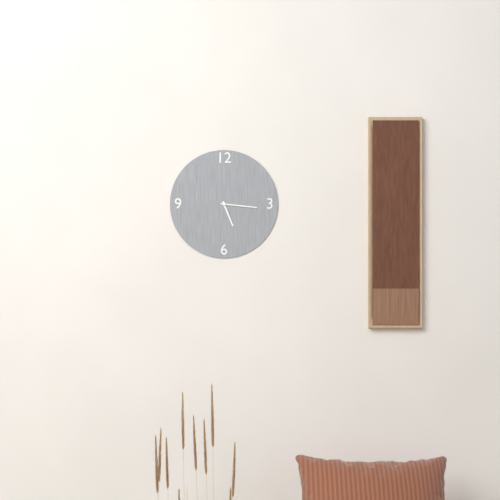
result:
{"hour": 5, "minute": 16}
